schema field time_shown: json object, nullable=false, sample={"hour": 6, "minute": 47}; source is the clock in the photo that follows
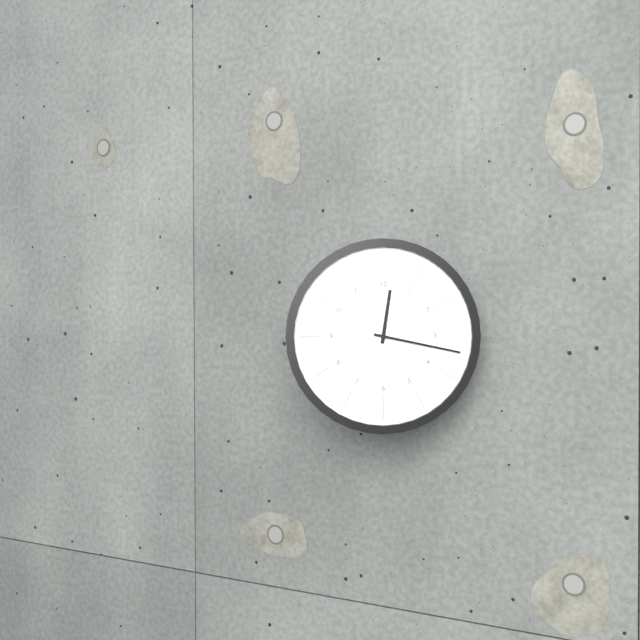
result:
{"hour": 12, "minute": 17}
